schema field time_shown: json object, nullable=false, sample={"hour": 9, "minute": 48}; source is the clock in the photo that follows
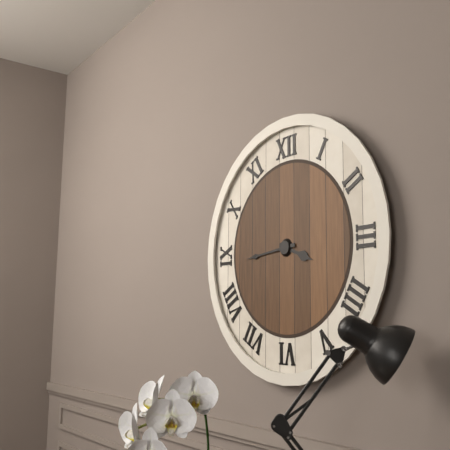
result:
{"hour": 3, "minute": 44}
